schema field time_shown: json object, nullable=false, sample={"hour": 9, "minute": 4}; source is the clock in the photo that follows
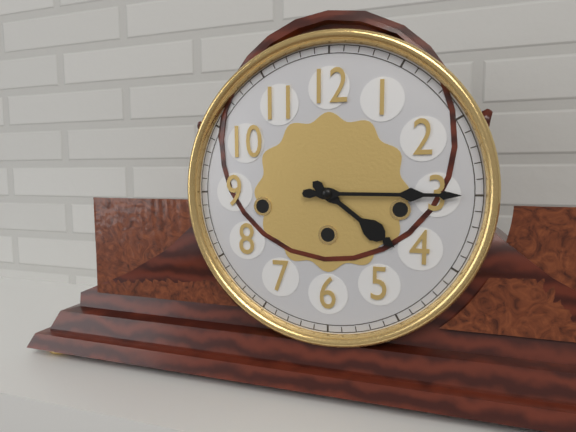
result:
{"hour": 4, "minute": 15}
